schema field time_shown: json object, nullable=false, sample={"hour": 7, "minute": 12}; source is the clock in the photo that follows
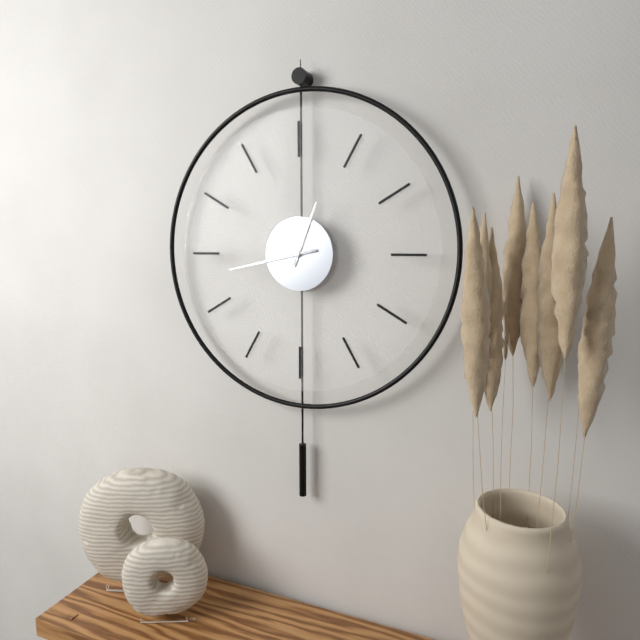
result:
{"hour": 12, "minute": 43}
